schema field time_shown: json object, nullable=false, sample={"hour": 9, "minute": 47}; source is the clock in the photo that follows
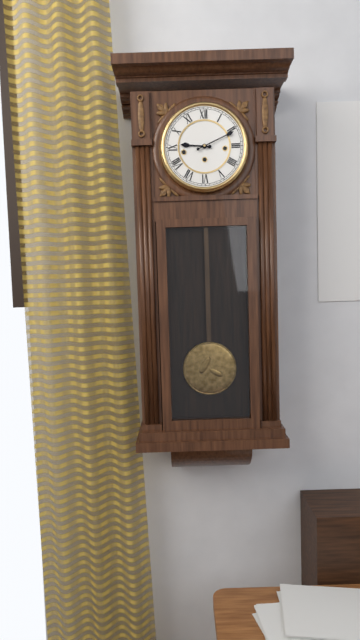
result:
{"hour": 9, "minute": 11}
